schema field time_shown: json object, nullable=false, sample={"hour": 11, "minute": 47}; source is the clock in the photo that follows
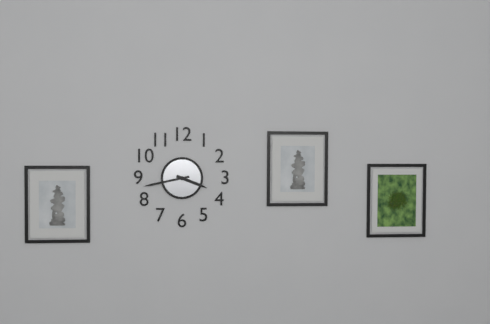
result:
{"hour": 3, "minute": 43}
